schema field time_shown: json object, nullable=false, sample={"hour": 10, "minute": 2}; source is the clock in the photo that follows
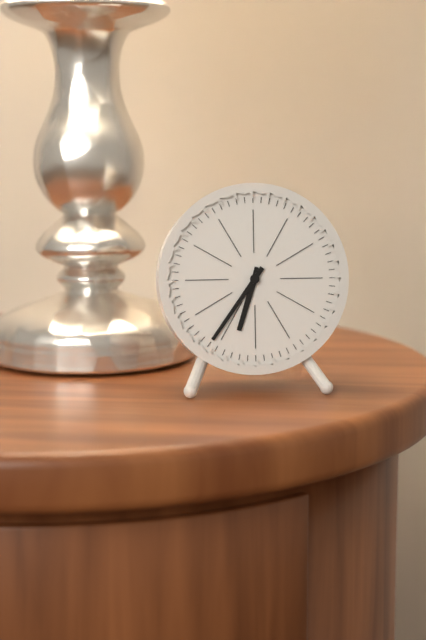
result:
{"hour": 6, "minute": 36}
